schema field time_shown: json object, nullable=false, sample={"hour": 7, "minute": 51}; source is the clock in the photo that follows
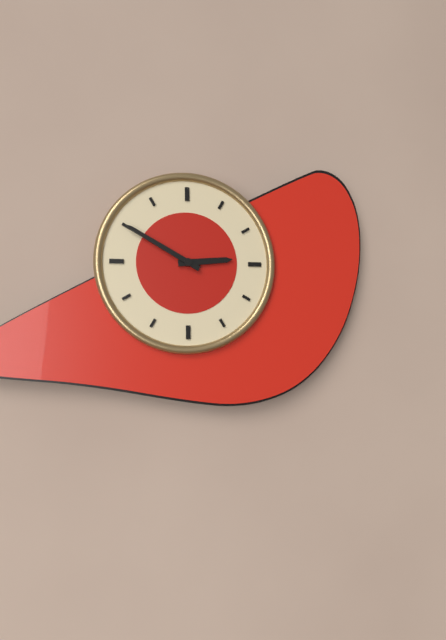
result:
{"hour": 2, "minute": 50}
